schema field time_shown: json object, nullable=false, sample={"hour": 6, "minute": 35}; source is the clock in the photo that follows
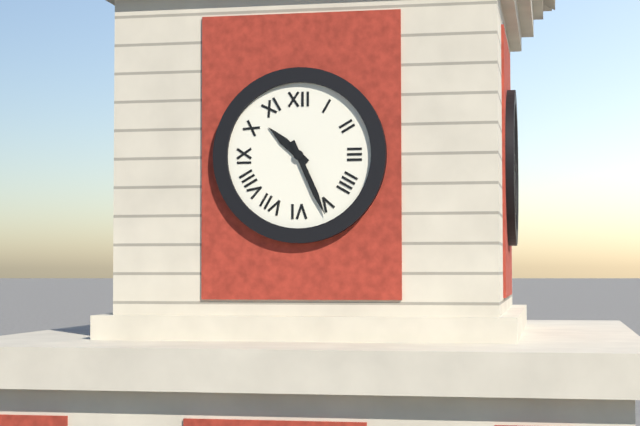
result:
{"hour": 10, "minute": 26}
